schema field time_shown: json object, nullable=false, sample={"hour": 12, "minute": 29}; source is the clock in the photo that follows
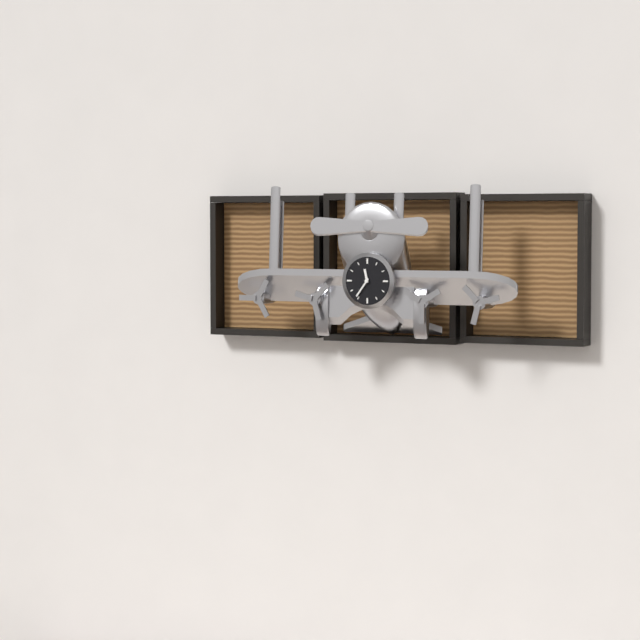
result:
{"hour": 11, "minute": 36}
